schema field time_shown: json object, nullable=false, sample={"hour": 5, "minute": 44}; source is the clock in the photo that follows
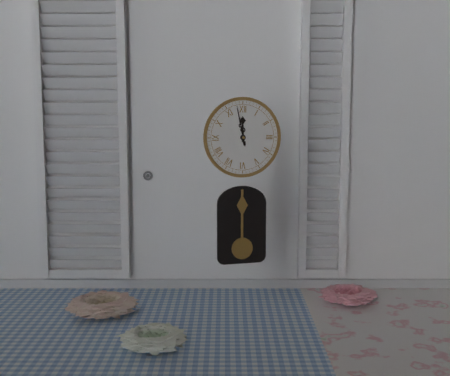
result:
{"hour": 11, "minute": 58}
